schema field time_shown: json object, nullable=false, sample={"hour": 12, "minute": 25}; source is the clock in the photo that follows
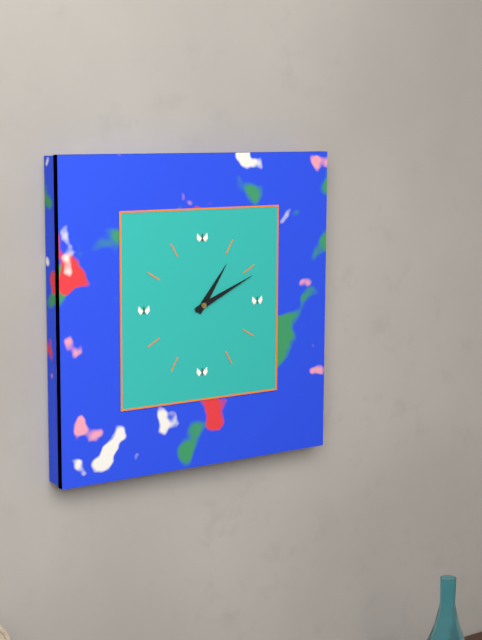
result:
{"hour": 1, "minute": 11}
